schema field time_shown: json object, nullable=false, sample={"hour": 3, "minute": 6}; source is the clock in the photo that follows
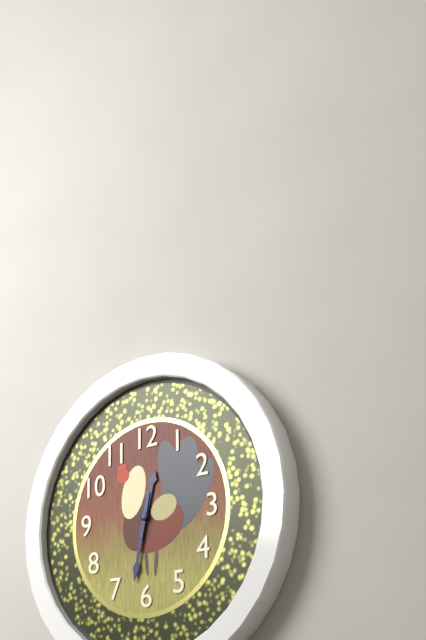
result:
{"hour": 12, "minute": 32}
